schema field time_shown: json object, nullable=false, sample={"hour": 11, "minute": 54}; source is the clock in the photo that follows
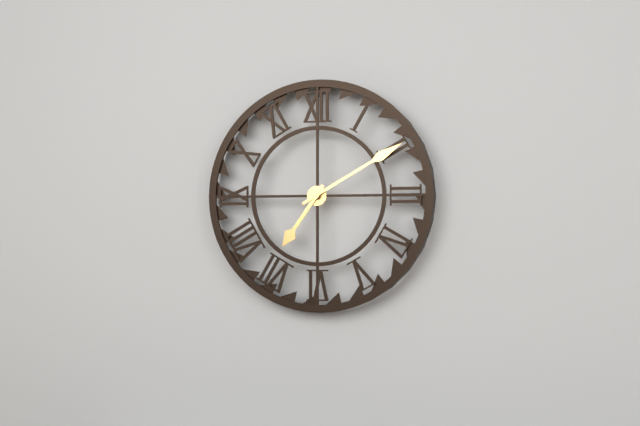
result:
{"hour": 7, "minute": 10}
